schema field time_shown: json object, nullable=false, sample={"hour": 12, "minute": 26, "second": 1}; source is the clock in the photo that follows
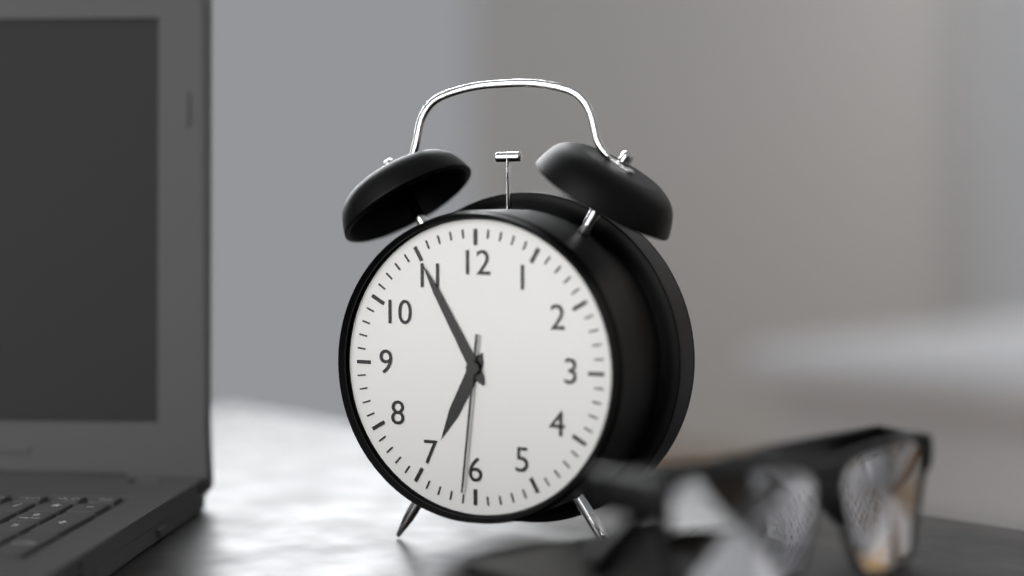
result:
{"hour": 6, "minute": 55, "second": 31}
